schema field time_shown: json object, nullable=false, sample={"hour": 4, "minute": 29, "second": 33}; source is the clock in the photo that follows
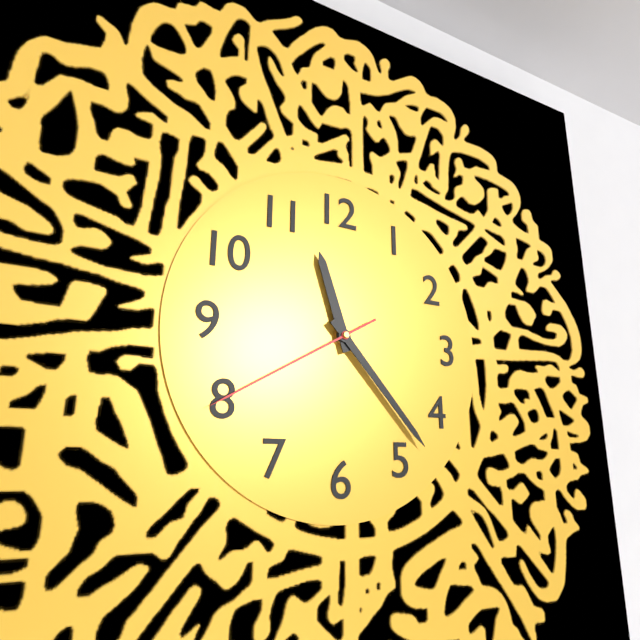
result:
{"hour": 11, "minute": 23, "second": 40}
